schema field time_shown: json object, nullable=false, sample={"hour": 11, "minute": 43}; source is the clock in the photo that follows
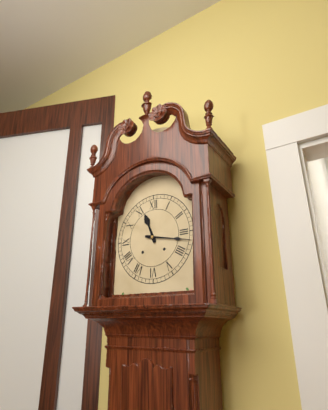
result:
{"hour": 11, "minute": 17}
